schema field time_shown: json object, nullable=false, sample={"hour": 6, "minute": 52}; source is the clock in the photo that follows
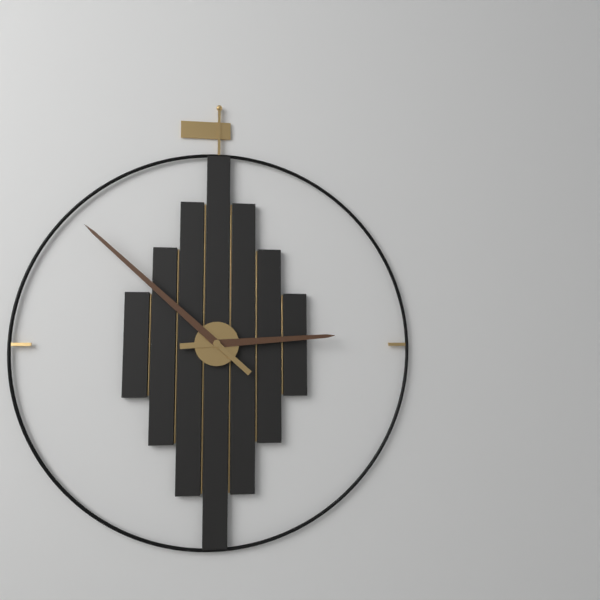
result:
{"hour": 2, "minute": 52}
